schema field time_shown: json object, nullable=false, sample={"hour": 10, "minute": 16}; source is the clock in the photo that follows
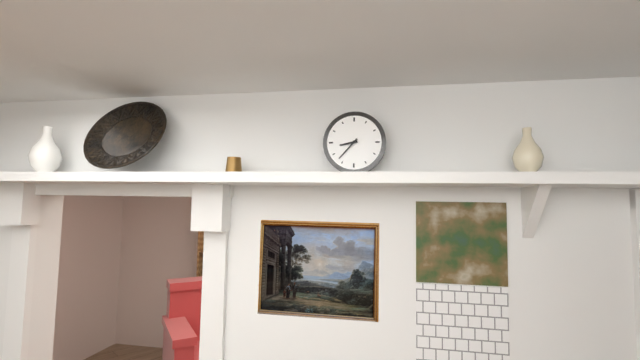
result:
{"hour": 8, "minute": 37}
